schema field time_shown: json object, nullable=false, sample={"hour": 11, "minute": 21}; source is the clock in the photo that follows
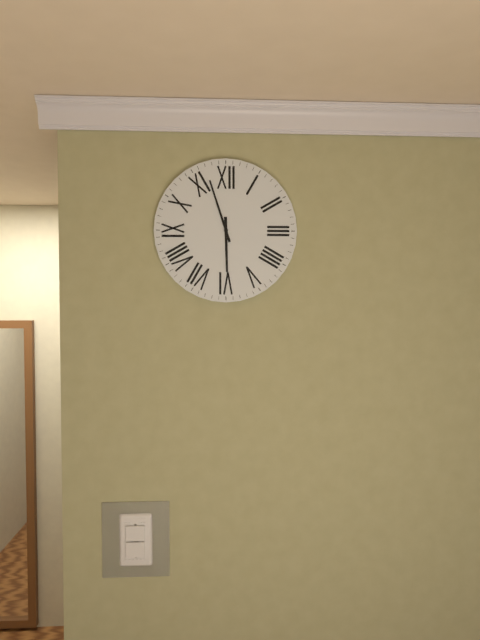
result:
{"hour": 5, "minute": 57}
